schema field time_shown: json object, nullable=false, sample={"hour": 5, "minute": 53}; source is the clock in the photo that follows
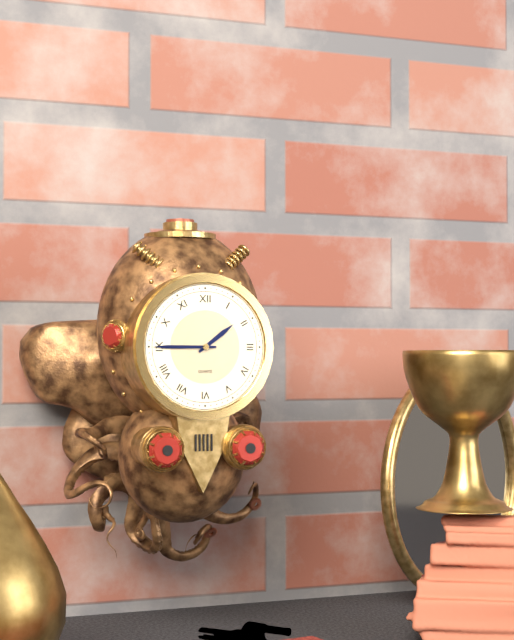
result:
{"hour": 1, "minute": 45}
